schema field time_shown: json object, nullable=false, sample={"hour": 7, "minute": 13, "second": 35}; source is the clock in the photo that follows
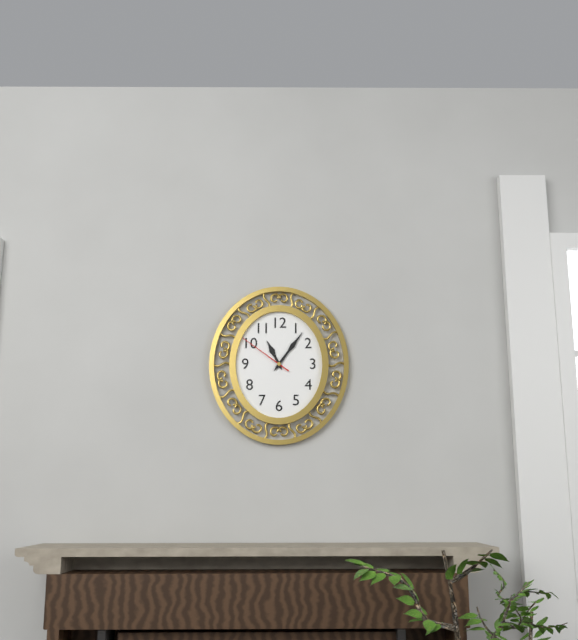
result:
{"hour": 11, "minute": 6, "second": 51}
